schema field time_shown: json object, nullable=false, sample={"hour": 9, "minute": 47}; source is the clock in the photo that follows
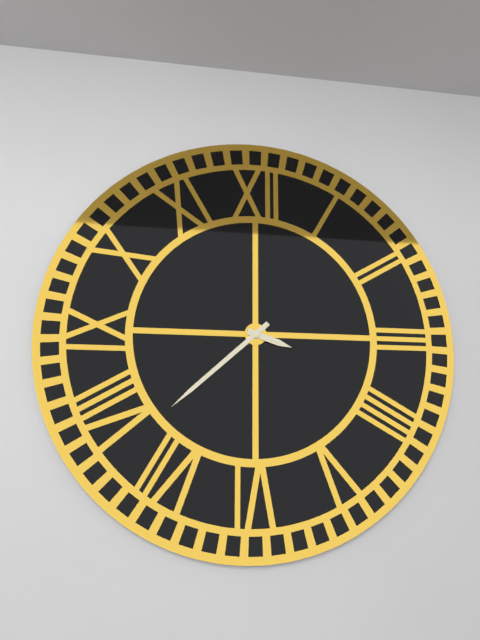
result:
{"hour": 3, "minute": 38}
